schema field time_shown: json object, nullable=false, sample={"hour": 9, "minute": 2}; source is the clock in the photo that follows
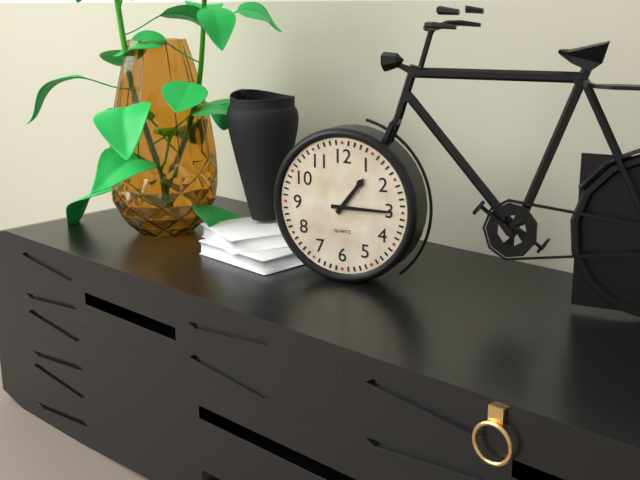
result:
{"hour": 1, "minute": 15}
